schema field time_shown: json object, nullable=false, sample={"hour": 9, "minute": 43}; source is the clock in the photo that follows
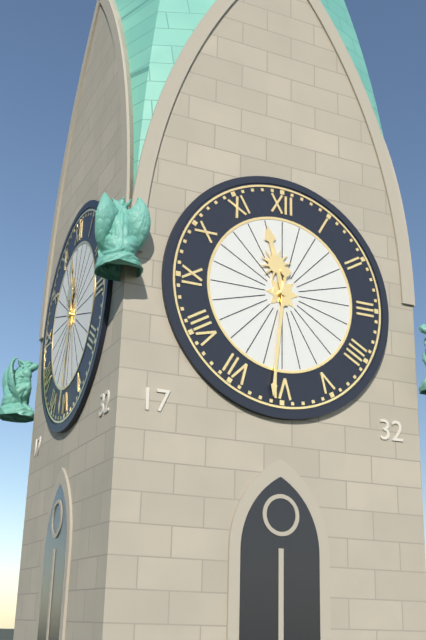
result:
{"hour": 11, "minute": 31}
